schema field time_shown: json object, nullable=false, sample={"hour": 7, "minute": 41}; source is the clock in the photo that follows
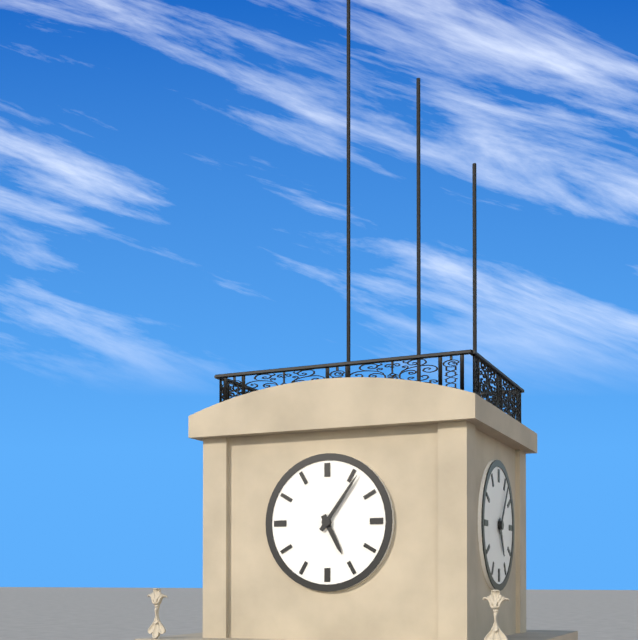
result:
{"hour": 5, "minute": 6}
